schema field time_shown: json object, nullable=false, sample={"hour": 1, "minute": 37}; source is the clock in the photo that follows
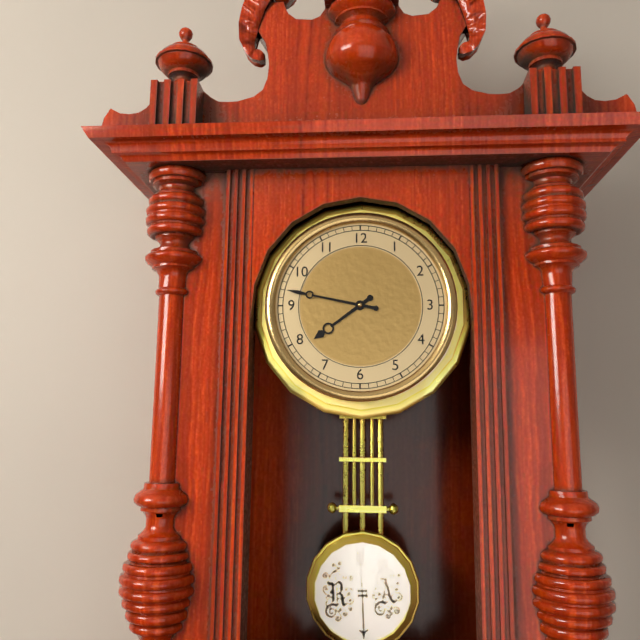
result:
{"hour": 7, "minute": 47}
